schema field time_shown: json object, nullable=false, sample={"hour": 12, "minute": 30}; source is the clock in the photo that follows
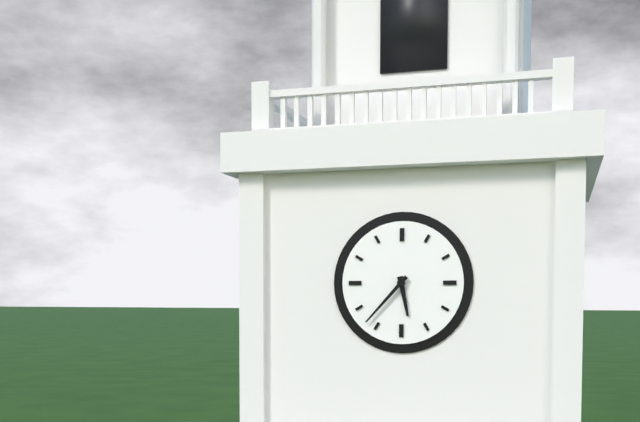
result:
{"hour": 5, "minute": 37}
